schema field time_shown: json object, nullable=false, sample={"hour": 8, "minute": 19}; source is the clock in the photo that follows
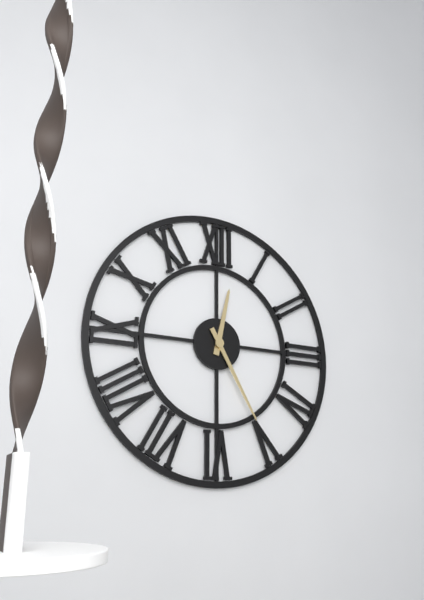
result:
{"hour": 12, "minute": 25}
